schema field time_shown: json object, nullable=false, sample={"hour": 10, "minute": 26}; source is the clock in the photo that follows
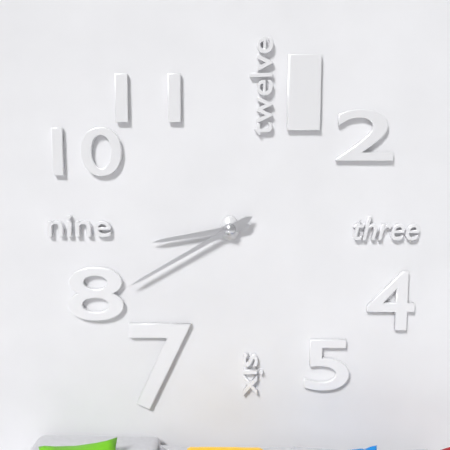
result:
{"hour": 8, "minute": 40}
